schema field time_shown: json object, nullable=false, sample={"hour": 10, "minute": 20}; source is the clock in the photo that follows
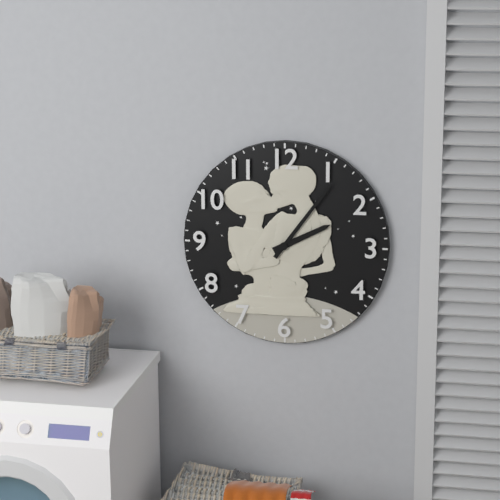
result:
{"hour": 2, "minute": 6}
